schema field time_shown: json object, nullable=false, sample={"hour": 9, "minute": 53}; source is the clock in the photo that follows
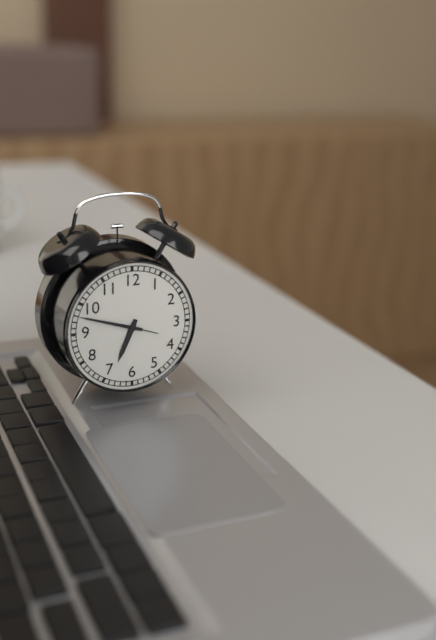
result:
{"hour": 6, "minute": 48}
